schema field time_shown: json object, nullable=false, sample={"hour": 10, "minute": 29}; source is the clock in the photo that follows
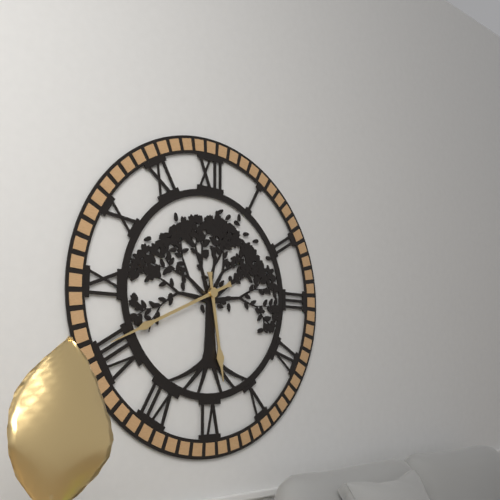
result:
{"hour": 5, "minute": 41}
